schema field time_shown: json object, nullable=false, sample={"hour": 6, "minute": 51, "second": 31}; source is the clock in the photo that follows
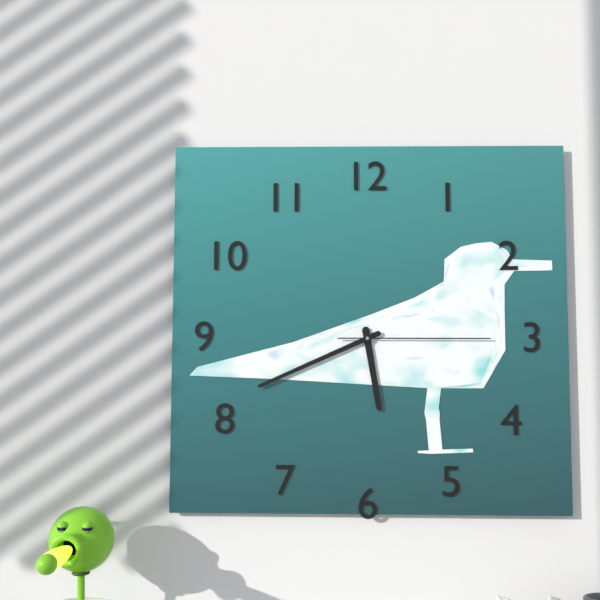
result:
{"hour": 5, "minute": 41, "second": 15}
